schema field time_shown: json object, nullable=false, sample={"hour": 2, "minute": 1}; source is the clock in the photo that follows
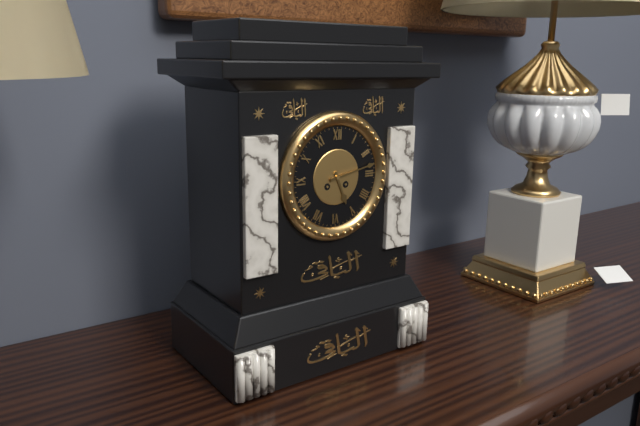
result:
{"hour": 5, "minute": 13}
